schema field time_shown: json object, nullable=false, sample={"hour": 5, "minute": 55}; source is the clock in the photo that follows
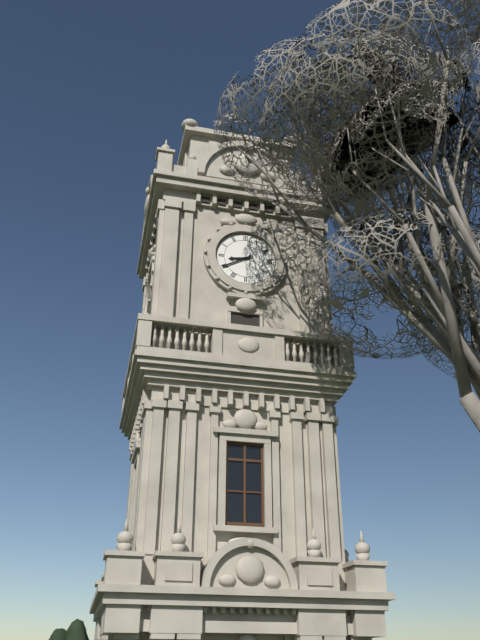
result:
{"hour": 8, "minute": 40}
